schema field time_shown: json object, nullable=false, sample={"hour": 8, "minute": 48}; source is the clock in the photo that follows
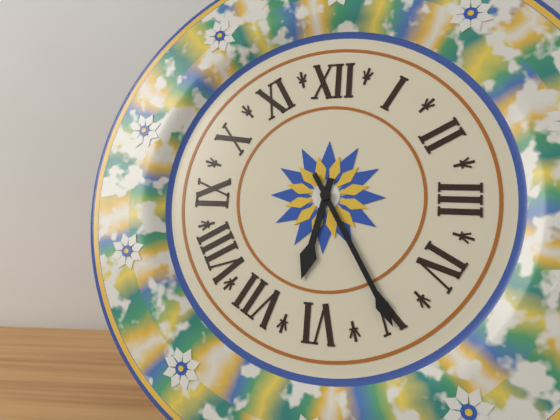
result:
{"hour": 6, "minute": 25}
